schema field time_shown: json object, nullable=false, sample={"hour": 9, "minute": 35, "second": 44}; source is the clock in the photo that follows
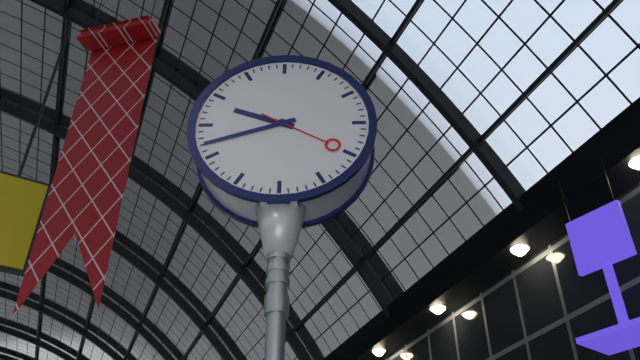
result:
{"hour": 9, "minute": 42, "second": 20}
